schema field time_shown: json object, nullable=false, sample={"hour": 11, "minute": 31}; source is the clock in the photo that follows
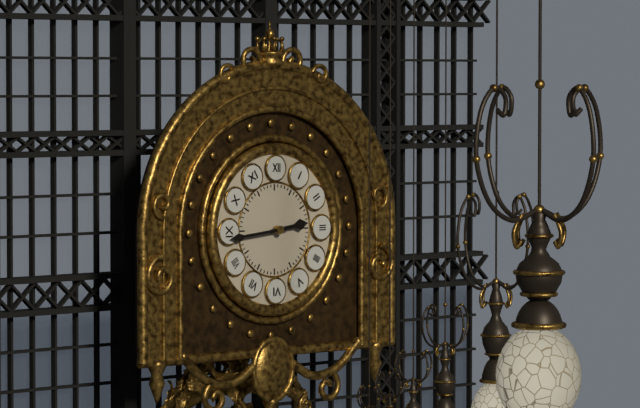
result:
{"hour": 2, "minute": 44}
